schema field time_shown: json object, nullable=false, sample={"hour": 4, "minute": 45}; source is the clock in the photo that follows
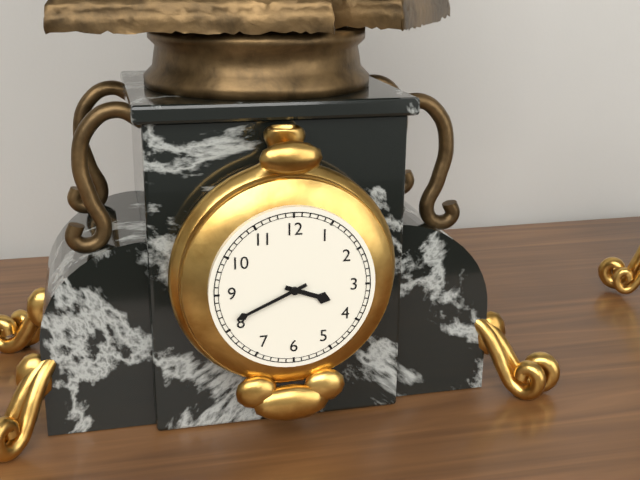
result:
{"hour": 3, "minute": 41}
